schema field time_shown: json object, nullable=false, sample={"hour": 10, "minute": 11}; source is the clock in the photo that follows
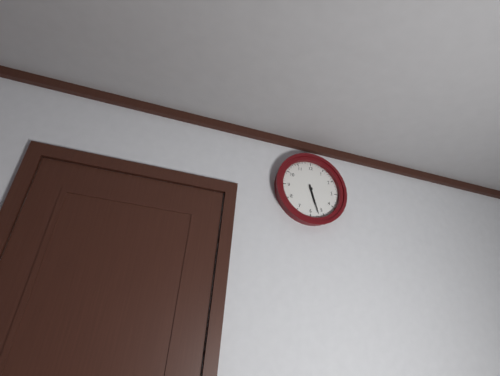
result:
{"hour": 5, "minute": 27}
